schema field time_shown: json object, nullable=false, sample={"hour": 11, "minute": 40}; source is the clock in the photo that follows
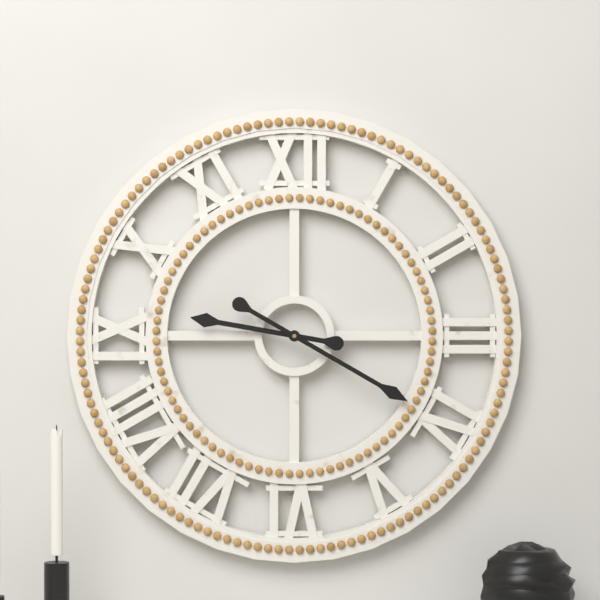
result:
{"hour": 9, "minute": 20}
